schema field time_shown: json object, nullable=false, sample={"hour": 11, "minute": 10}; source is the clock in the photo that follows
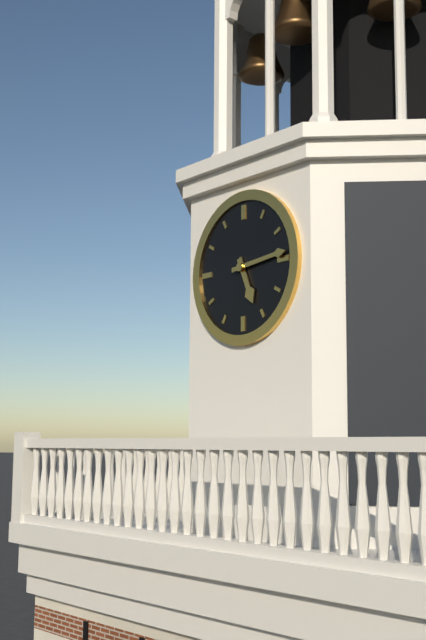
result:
{"hour": 5, "minute": 14}
